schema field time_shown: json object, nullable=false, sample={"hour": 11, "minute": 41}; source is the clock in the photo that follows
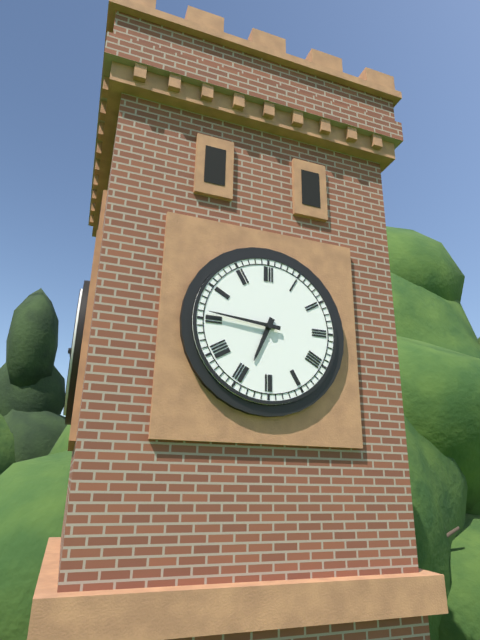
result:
{"hour": 6, "minute": 46}
